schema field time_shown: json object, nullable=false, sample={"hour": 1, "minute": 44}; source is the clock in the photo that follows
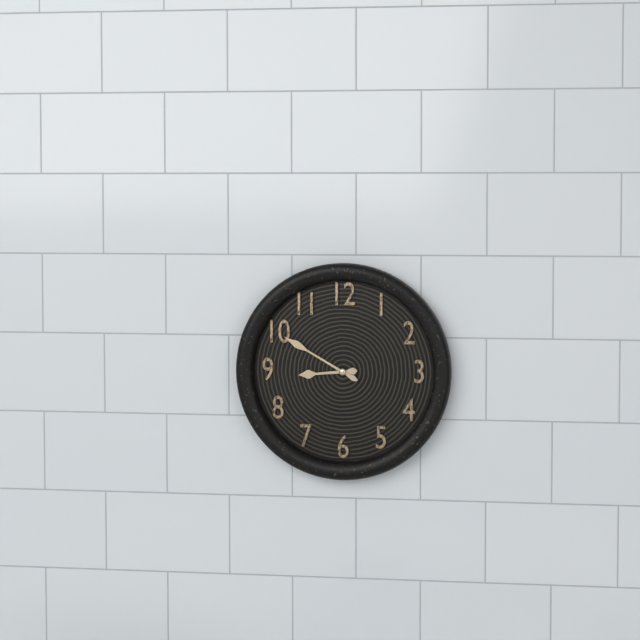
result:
{"hour": 8, "minute": 50}
